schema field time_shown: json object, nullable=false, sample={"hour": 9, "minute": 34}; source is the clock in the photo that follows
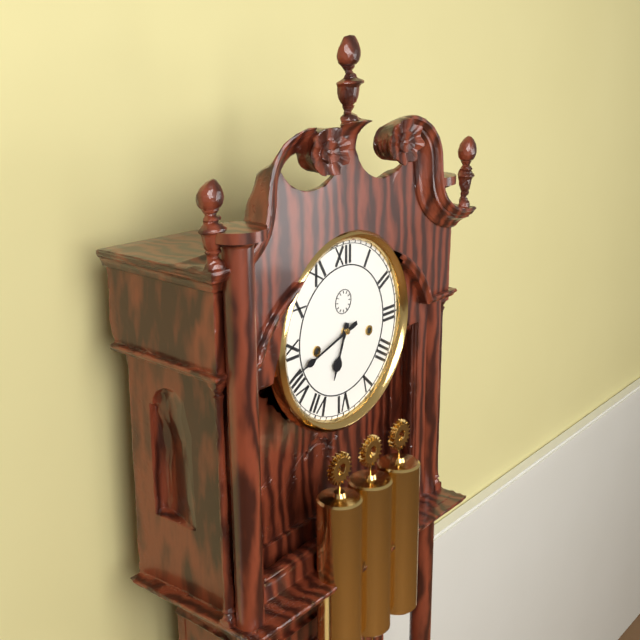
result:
{"hour": 6, "minute": 42}
